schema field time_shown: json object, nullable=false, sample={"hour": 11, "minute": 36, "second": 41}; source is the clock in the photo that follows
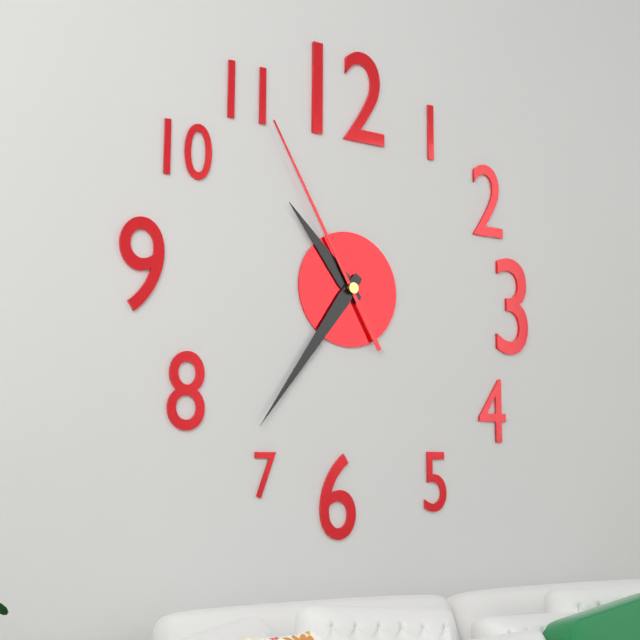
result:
{"hour": 10, "minute": 36, "second": 55}
